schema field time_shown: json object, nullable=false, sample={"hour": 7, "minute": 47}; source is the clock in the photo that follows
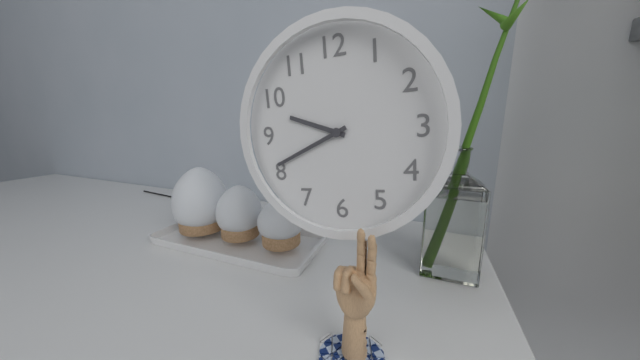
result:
{"hour": 9, "minute": 41}
